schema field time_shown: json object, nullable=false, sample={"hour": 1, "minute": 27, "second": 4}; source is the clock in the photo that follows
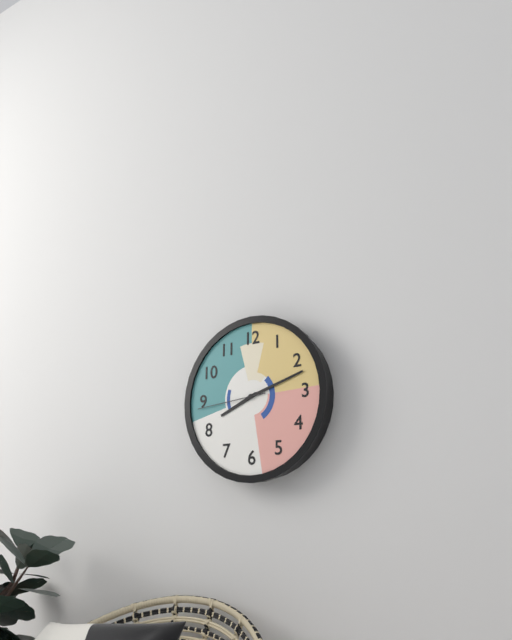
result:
{"hour": 8, "minute": 12, "second": 44}
